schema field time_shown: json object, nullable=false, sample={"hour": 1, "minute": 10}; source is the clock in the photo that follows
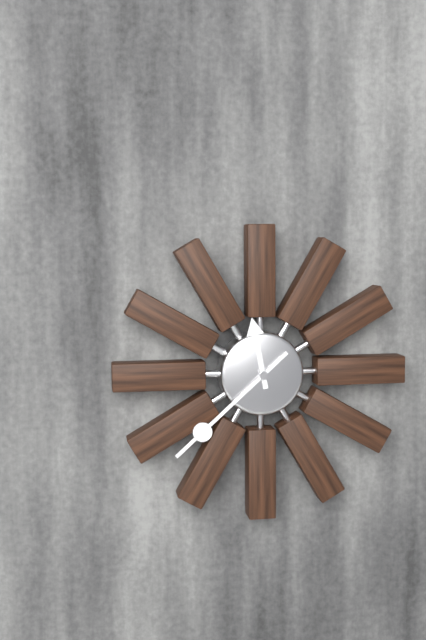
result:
{"hour": 11, "minute": 38}
